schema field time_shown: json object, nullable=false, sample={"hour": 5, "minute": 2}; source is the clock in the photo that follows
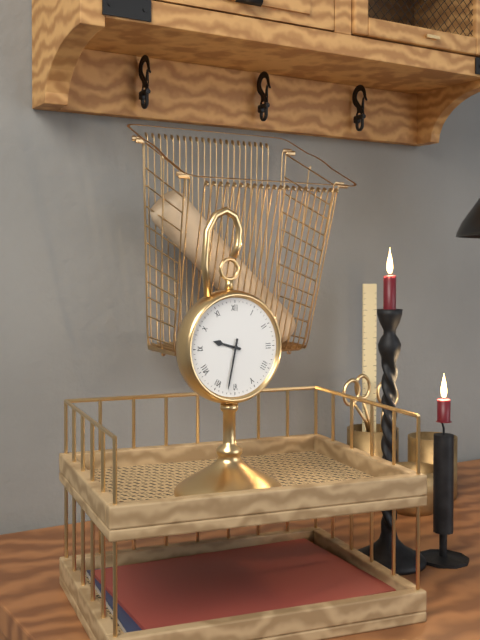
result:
{"hour": 9, "minute": 32}
